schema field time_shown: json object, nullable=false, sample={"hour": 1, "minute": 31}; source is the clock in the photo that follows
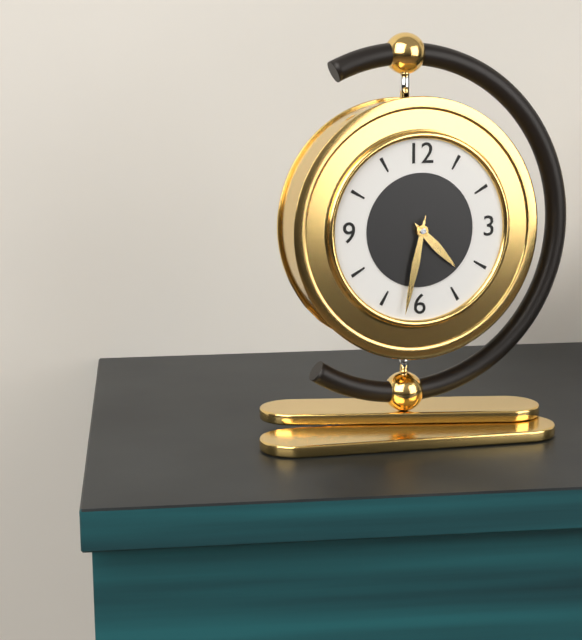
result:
{"hour": 4, "minute": 32}
